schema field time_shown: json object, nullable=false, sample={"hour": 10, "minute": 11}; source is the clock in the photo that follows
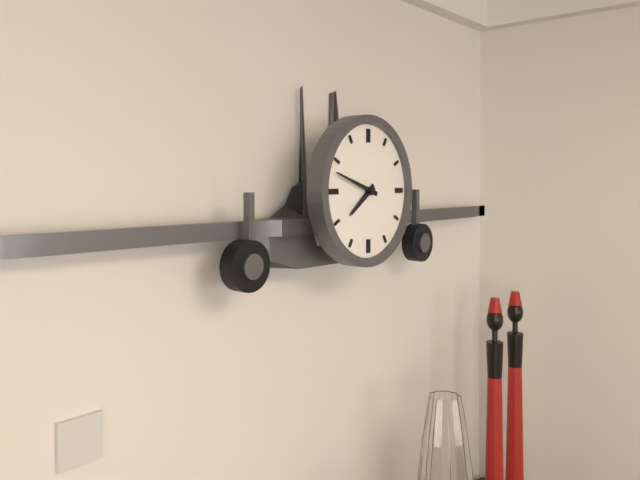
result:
{"hour": 7, "minute": 48}
